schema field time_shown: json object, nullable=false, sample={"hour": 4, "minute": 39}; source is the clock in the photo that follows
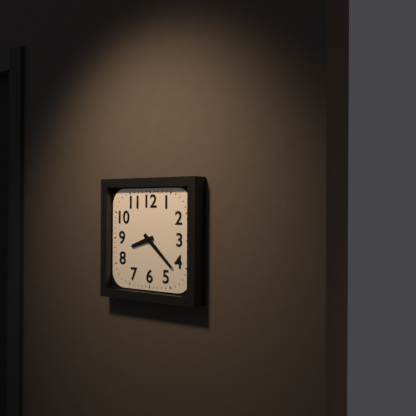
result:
{"hour": 8, "minute": 22}
